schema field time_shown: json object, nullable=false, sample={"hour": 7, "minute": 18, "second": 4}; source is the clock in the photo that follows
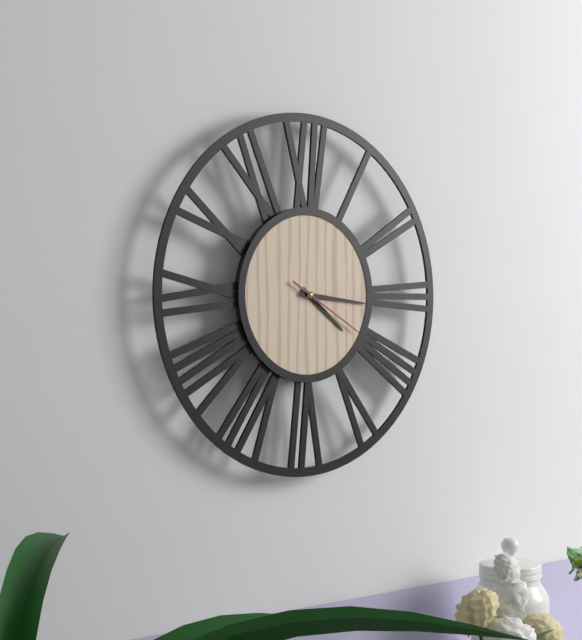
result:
{"hour": 4, "minute": 16, "second": 20}
